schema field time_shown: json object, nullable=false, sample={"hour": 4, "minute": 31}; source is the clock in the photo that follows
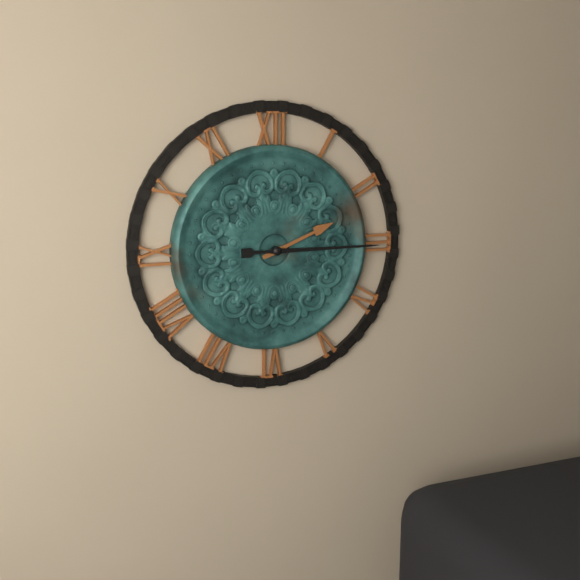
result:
{"hour": 2, "minute": 15}
